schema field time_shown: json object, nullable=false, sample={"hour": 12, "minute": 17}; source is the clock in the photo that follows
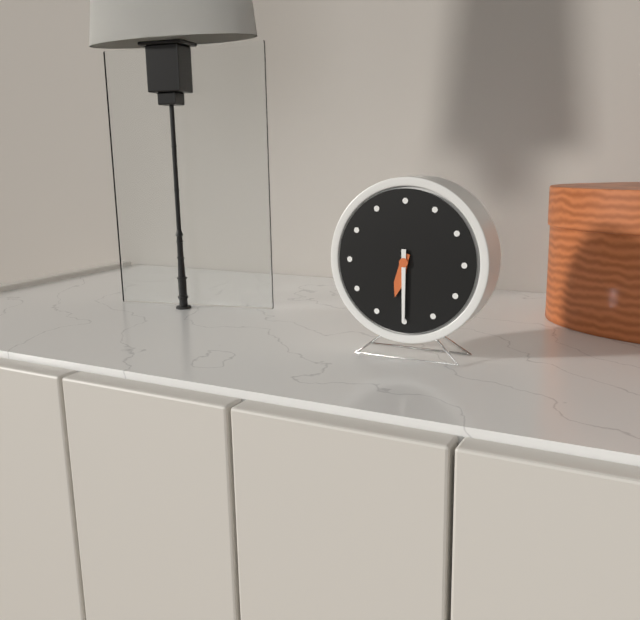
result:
{"hour": 6, "minute": 30}
